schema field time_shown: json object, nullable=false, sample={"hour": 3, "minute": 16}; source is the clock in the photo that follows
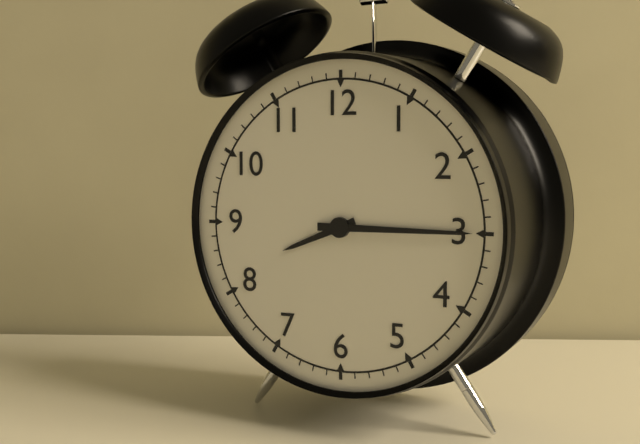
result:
{"hour": 8, "minute": 15}
